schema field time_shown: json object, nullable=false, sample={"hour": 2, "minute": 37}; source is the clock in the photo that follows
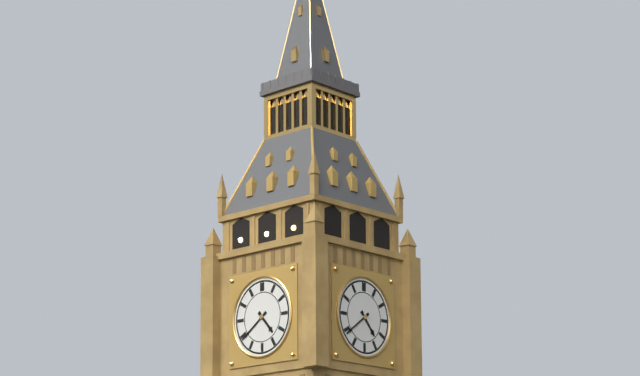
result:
{"hour": 4, "minute": 39}
